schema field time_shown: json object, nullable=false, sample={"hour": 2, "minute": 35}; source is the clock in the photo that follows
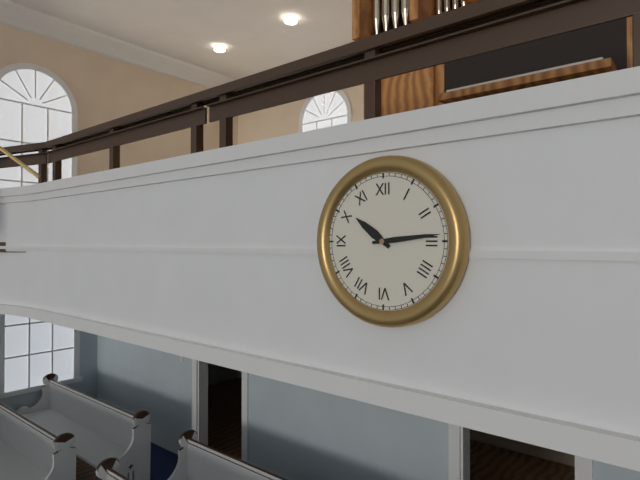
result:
{"hour": 10, "minute": 14}
